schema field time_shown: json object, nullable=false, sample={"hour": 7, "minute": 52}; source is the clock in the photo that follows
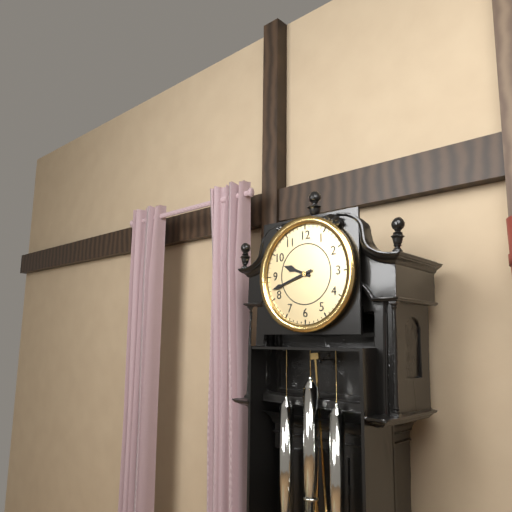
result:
{"hour": 9, "minute": 42}
